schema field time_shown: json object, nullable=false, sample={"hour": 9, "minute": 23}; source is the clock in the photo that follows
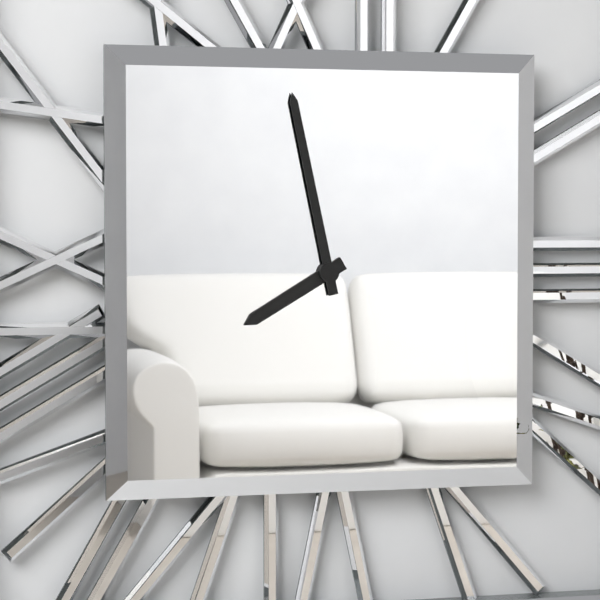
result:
{"hour": 7, "minute": 58}
